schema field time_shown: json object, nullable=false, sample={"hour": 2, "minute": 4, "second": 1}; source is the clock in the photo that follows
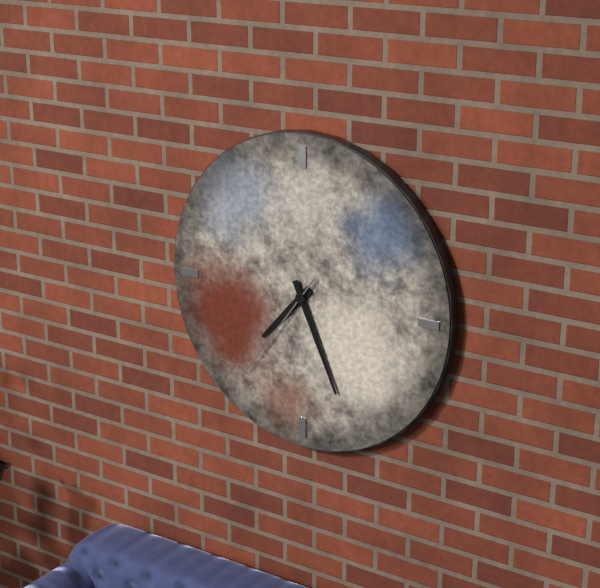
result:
{"hour": 7, "minute": 26, "second": 36}
